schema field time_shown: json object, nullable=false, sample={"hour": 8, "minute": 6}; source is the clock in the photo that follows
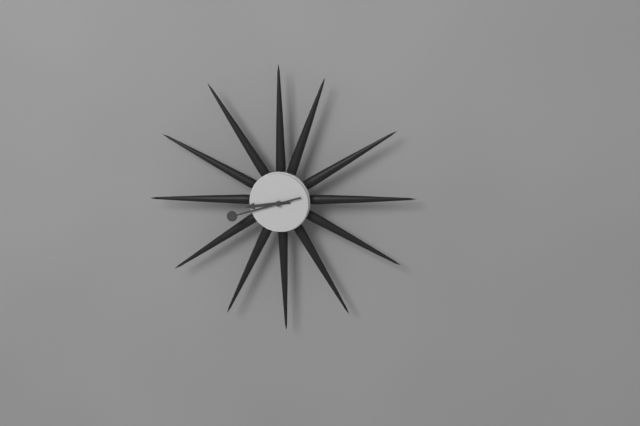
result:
{"hour": 8, "minute": 42}
